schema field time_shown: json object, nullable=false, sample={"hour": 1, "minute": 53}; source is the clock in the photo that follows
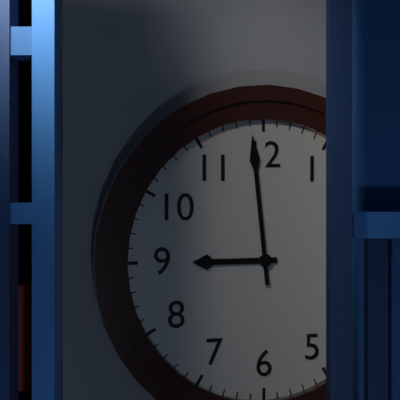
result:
{"hour": 8, "minute": 59}
